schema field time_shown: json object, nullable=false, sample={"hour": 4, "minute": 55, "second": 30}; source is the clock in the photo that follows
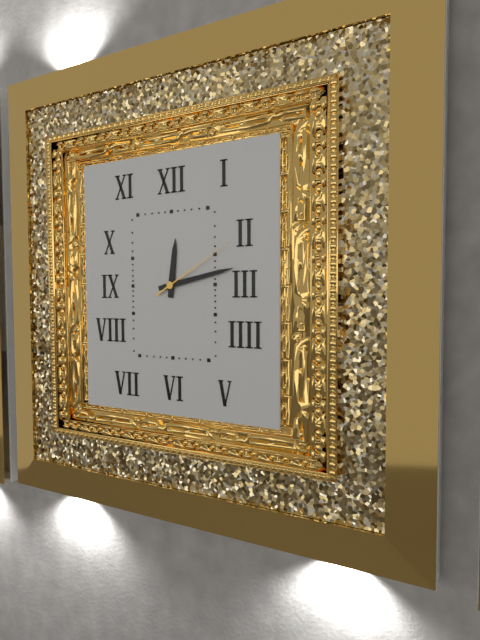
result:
{"hour": 12, "minute": 13, "second": 10}
